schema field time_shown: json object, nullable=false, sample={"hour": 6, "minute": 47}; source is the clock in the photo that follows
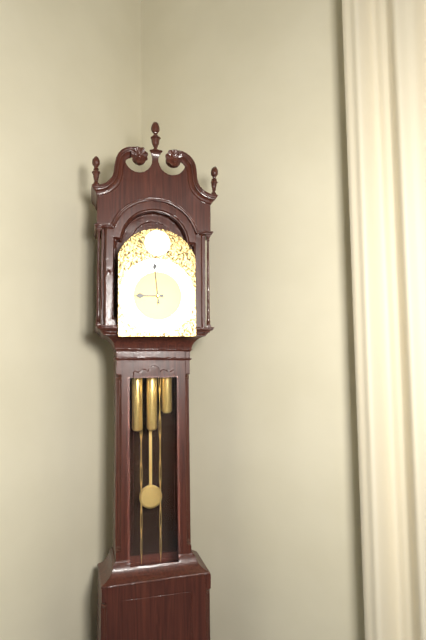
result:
{"hour": 8, "minute": 59}
